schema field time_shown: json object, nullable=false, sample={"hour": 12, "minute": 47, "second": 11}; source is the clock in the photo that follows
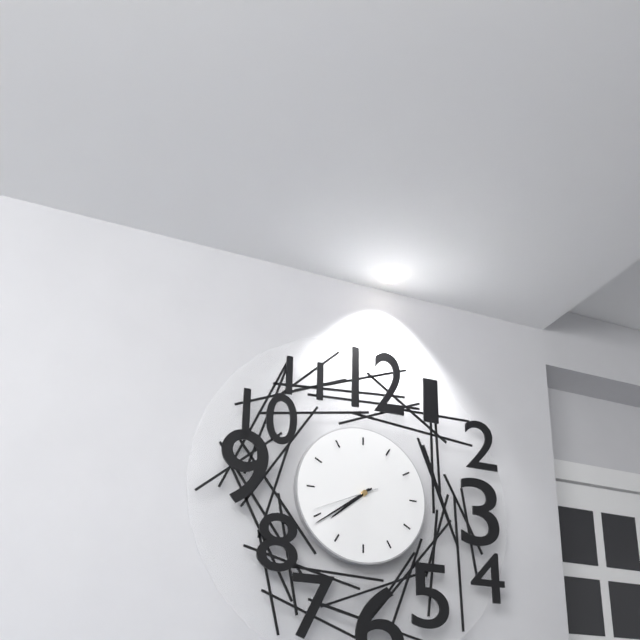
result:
{"hour": 7, "minute": 39, "second": 41}
